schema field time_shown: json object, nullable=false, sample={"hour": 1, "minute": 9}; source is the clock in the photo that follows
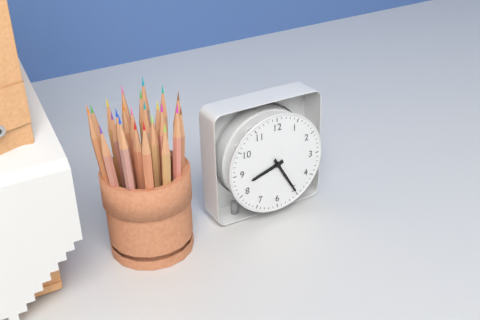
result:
{"hour": 8, "minute": 25}
